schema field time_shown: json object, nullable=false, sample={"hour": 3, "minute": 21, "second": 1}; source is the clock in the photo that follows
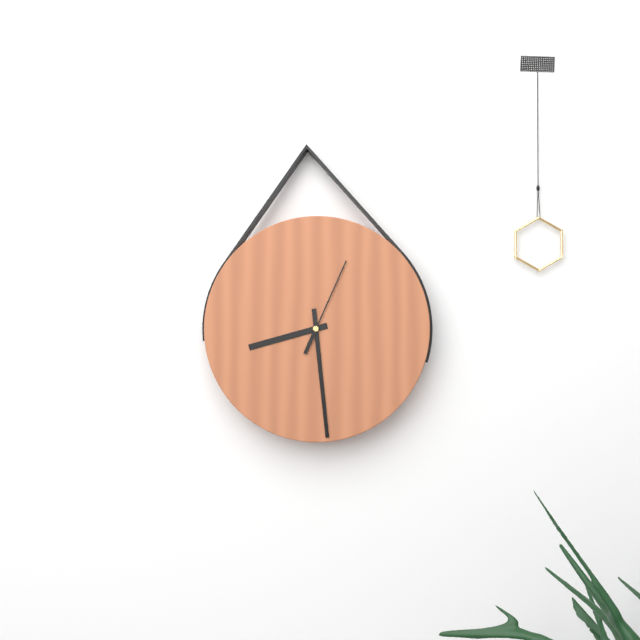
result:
{"hour": 8, "minute": 29, "second": 4}
